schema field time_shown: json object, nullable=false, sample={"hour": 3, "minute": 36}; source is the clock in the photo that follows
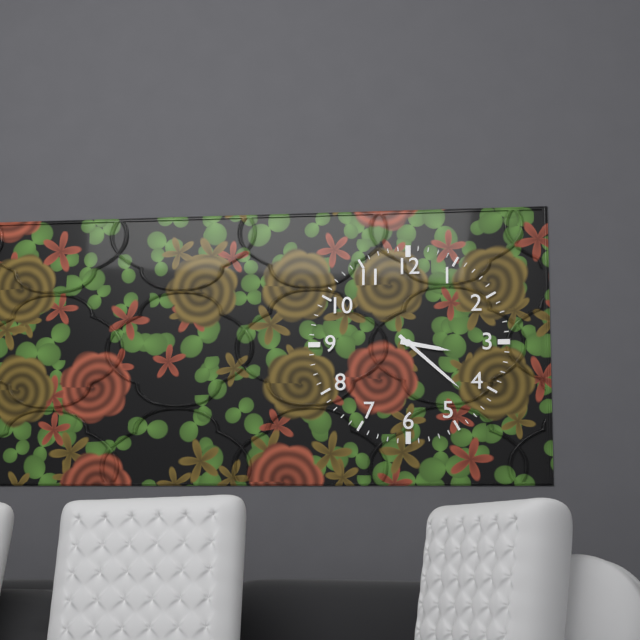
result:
{"hour": 3, "minute": 22}
